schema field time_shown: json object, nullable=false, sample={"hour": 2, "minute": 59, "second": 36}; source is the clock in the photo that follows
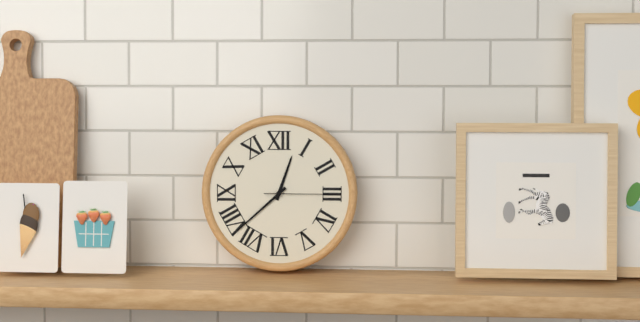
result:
{"hour": 12, "minute": 38, "second": 15}
